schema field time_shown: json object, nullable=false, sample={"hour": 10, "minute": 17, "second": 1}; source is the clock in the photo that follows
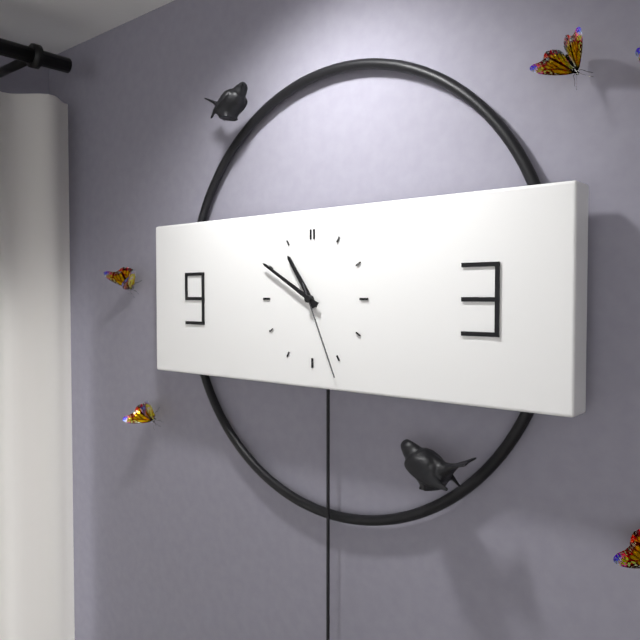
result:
{"hour": 10, "minute": 50, "second": 26}
